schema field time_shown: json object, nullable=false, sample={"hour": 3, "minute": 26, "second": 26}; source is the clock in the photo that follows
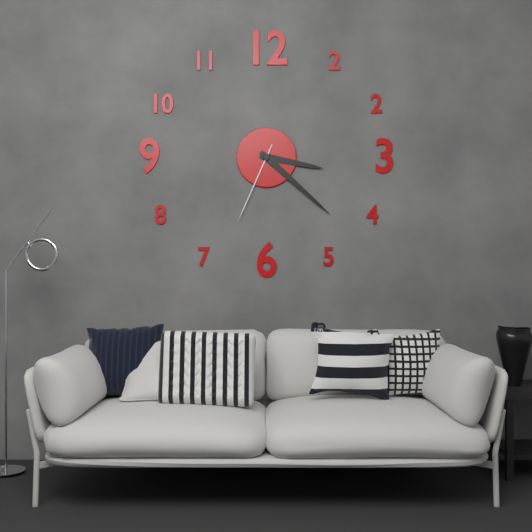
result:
{"hour": 3, "minute": 22, "second": 34}
